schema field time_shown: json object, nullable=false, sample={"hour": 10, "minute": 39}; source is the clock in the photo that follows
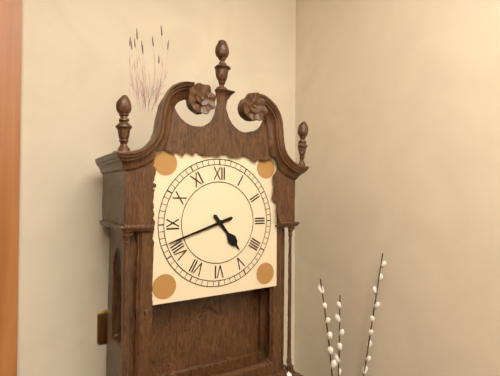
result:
{"hour": 4, "minute": 42}
